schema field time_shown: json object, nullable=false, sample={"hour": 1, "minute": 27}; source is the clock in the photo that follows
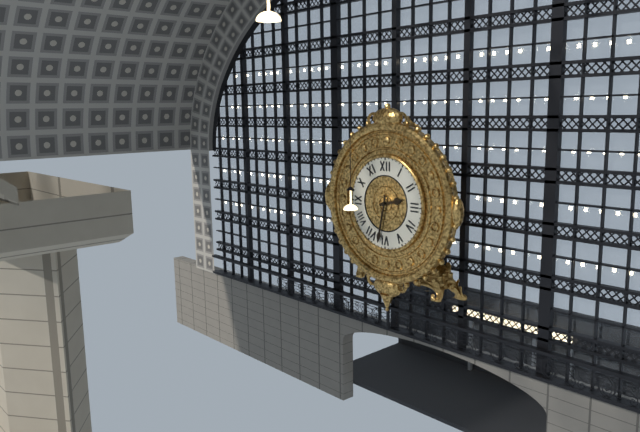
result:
{"hour": 2, "minute": 32}
